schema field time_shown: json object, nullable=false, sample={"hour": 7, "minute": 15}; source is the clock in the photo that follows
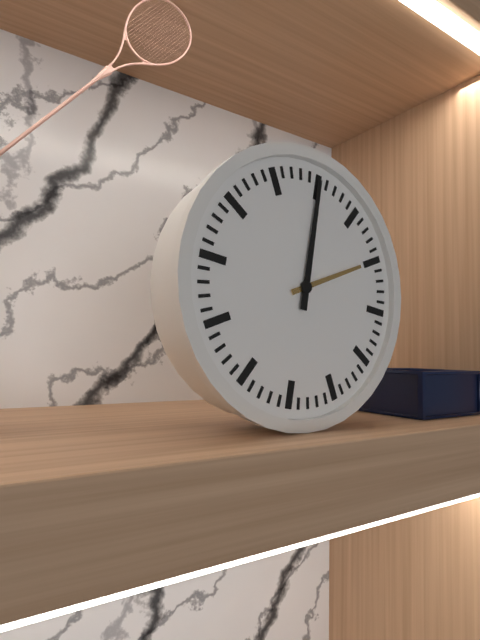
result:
{"hour": 2, "minute": 0}
